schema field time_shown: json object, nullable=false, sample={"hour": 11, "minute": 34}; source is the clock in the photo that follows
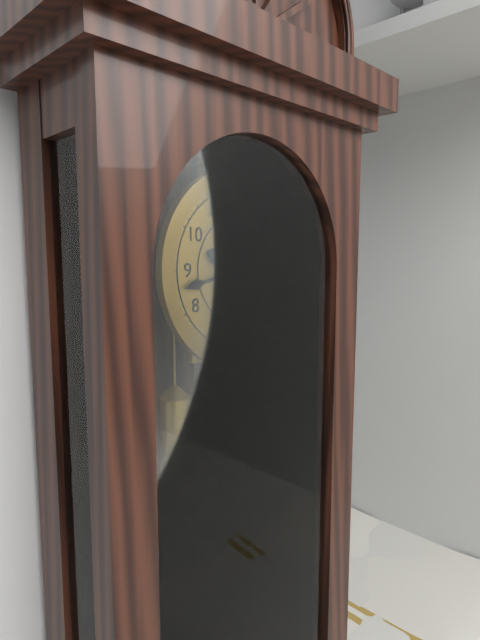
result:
{"hour": 9, "minute": 43}
